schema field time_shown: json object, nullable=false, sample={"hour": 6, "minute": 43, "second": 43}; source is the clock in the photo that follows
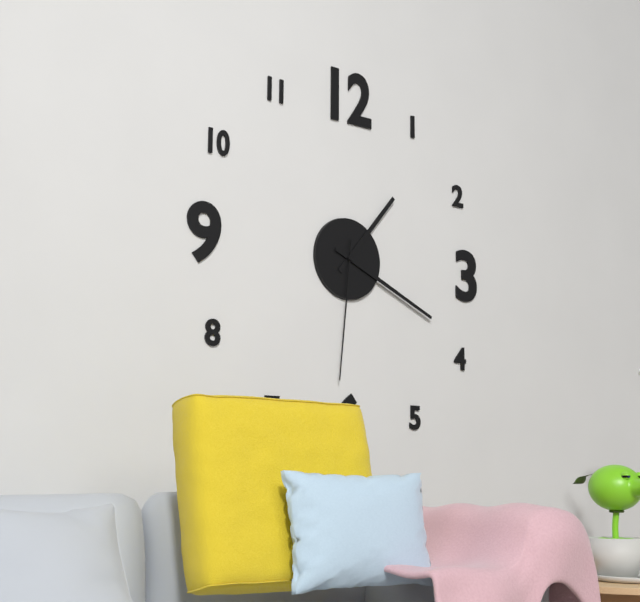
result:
{"hour": 1, "minute": 19, "second": 31}
